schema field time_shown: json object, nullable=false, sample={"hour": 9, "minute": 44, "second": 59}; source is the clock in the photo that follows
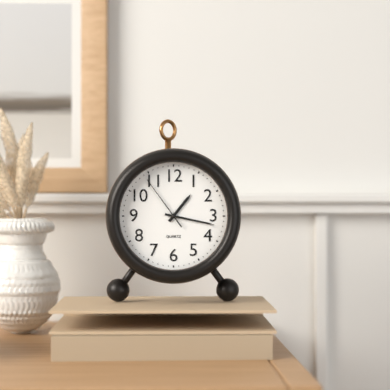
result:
{"hour": 1, "minute": 17, "second": 54}
